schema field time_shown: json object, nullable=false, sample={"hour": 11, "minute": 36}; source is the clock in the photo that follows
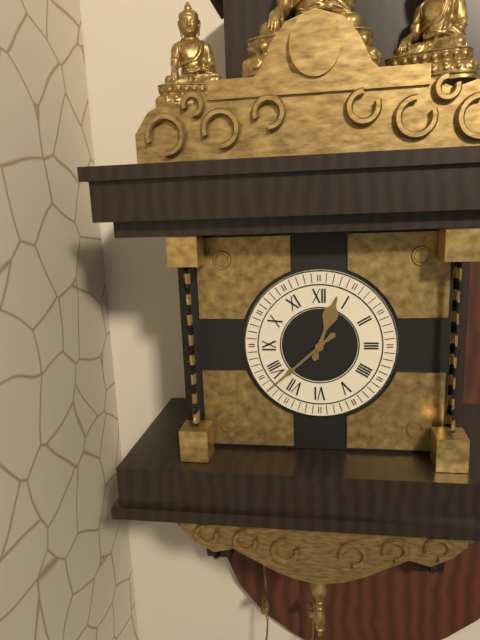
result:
{"hour": 12, "minute": 38}
